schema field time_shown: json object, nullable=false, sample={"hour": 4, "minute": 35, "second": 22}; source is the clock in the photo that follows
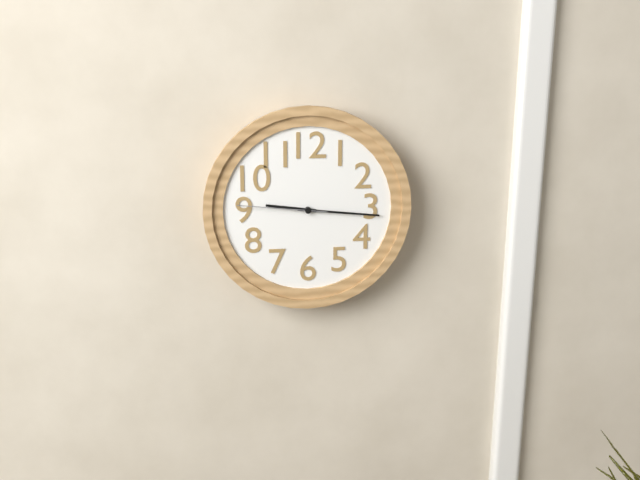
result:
{"hour": 9, "minute": 16, "second": 46}
